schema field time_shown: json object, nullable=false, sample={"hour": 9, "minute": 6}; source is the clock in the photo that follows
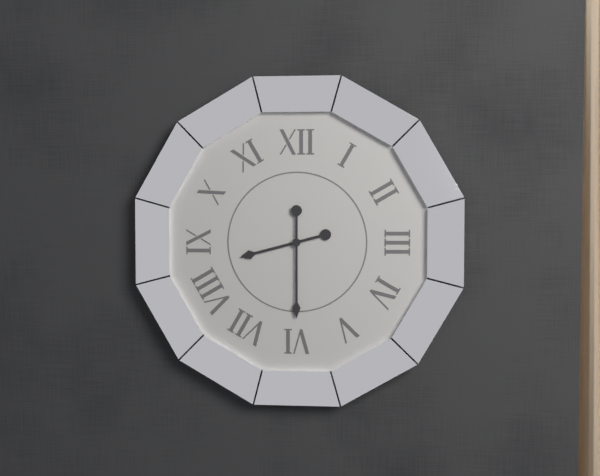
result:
{"hour": 8, "minute": 30}
